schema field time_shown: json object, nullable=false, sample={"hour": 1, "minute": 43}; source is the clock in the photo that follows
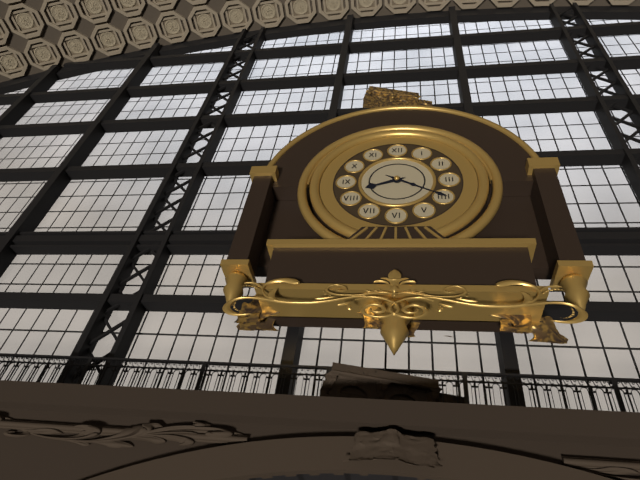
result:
{"hour": 8, "minute": 20}
